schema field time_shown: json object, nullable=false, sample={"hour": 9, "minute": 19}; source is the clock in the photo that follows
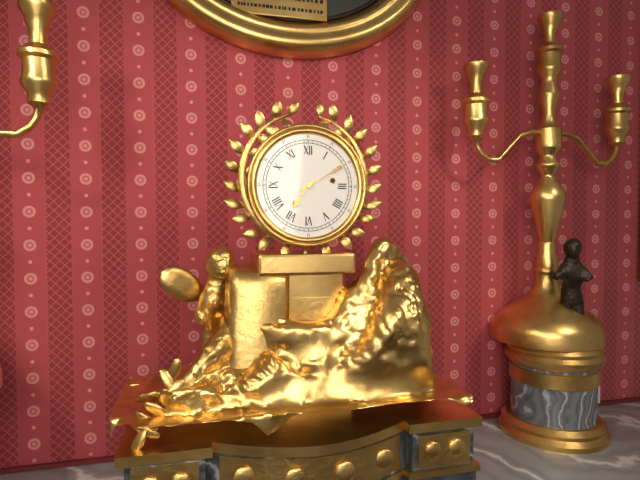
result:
{"hour": 7, "minute": 10}
